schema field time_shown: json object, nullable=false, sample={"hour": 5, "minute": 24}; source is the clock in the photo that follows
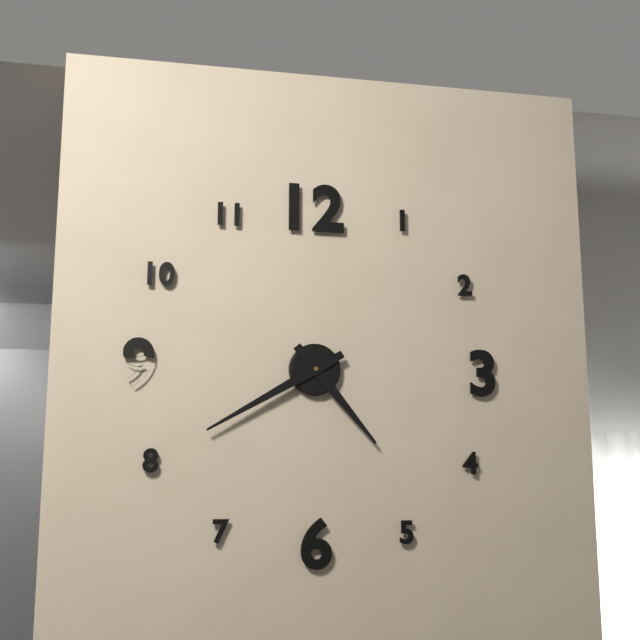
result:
{"hour": 4, "minute": 40}
